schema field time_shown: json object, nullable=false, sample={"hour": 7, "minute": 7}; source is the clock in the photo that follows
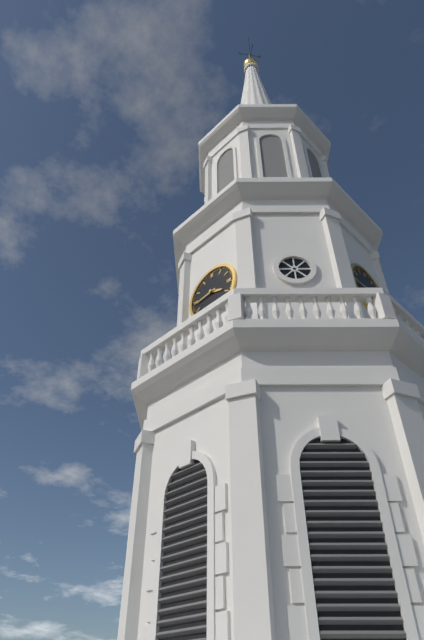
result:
{"hour": 3, "minute": 44}
